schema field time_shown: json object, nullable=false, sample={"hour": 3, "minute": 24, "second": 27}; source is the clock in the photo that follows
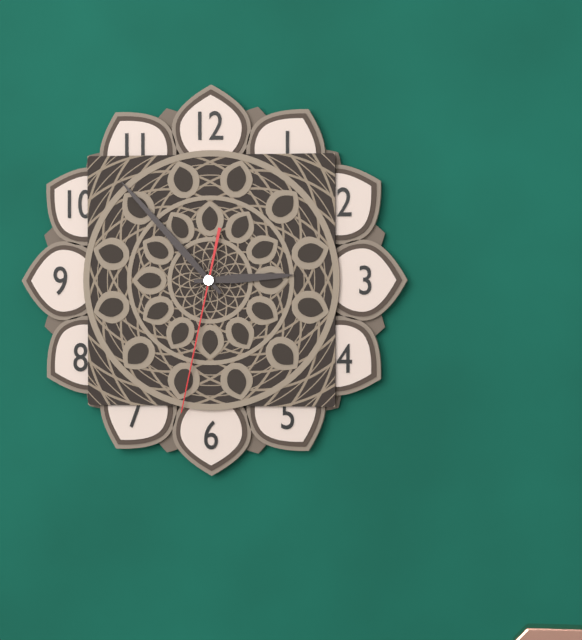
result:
{"hour": 2, "minute": 53, "second": 32}
